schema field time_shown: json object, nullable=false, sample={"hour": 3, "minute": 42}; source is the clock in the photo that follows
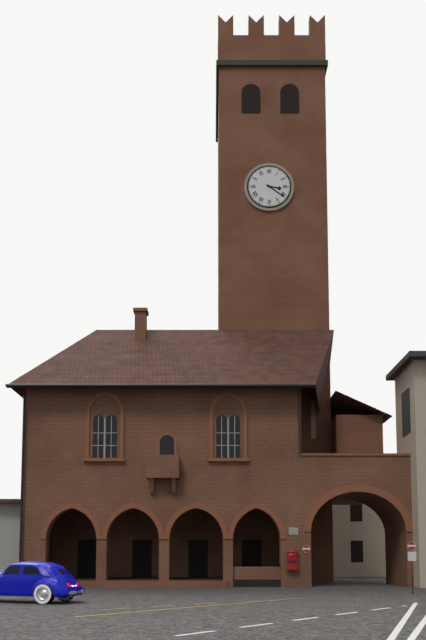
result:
{"hour": 3, "minute": 21}
